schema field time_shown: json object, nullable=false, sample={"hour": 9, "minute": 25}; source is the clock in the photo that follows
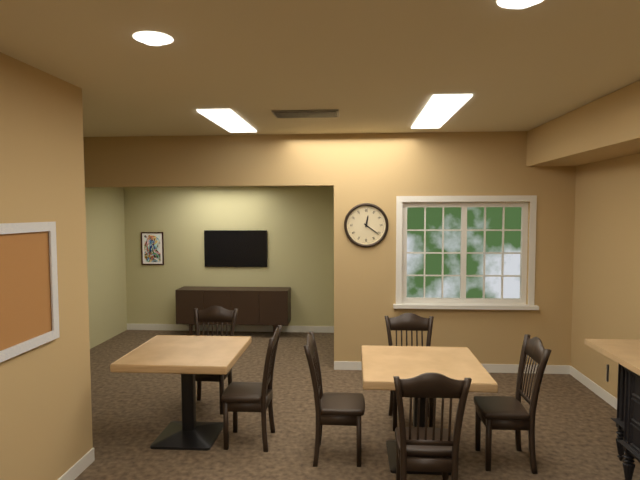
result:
{"hour": 12, "minute": 21}
